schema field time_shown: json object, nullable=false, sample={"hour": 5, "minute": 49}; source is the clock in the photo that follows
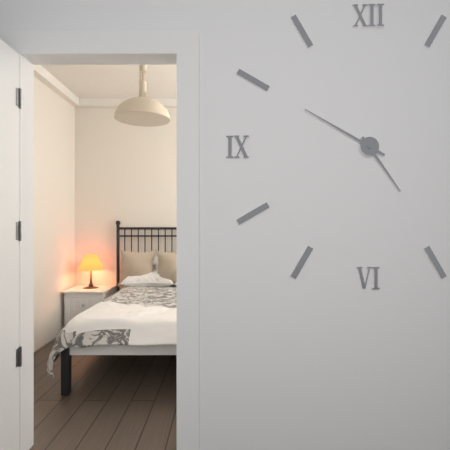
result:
{"hour": 4, "minute": 50}
